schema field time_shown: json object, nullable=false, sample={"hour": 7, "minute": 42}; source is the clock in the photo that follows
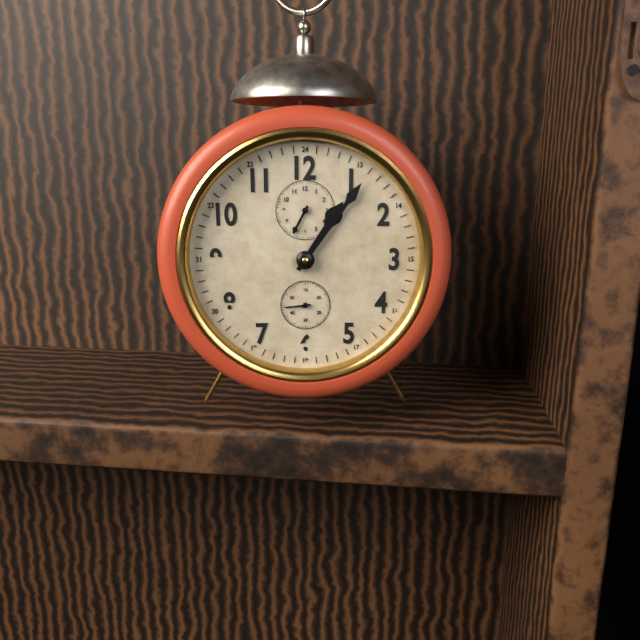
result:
{"hour": 1, "minute": 6}
